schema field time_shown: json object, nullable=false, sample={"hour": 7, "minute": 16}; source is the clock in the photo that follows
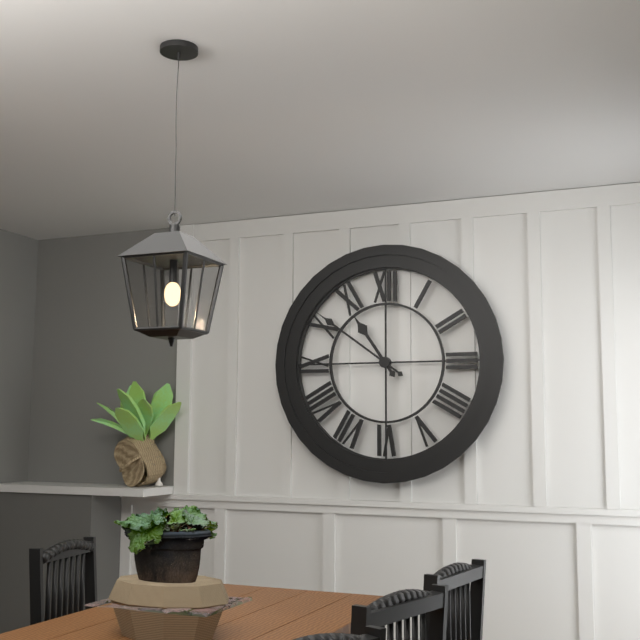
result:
{"hour": 10, "minute": 51}
